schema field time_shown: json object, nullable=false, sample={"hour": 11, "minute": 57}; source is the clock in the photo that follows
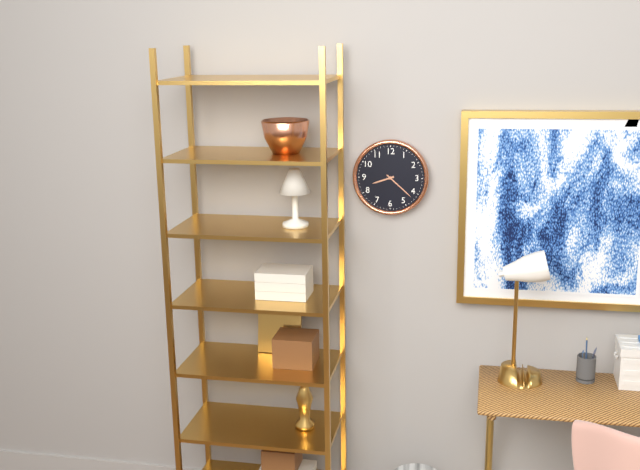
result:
{"hour": 8, "minute": 22}
